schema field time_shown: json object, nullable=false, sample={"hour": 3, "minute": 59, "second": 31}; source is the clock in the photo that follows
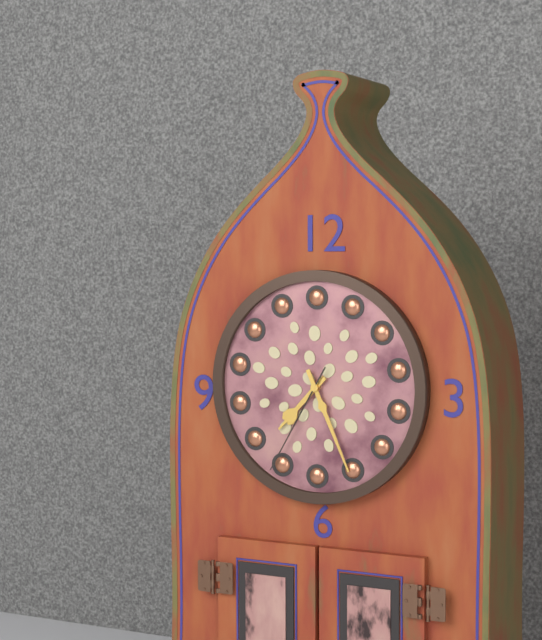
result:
{"hour": 7, "minute": 26, "second": 35}
